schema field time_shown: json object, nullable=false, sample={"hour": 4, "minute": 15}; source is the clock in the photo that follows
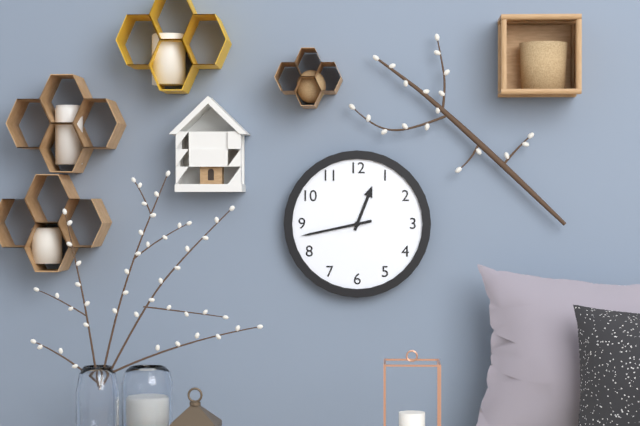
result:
{"hour": 12, "minute": 43}
